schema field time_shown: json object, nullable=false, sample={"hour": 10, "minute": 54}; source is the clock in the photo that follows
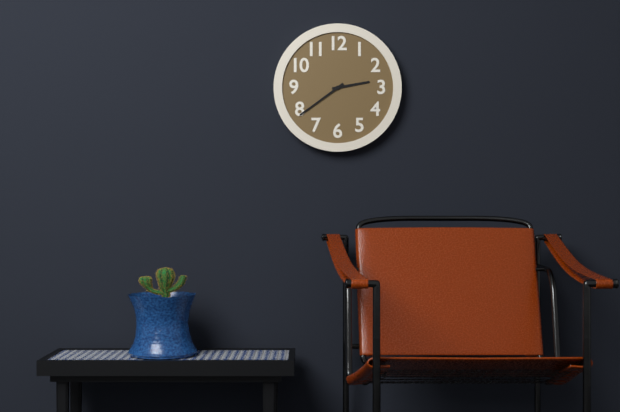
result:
{"hour": 2, "minute": 39}
